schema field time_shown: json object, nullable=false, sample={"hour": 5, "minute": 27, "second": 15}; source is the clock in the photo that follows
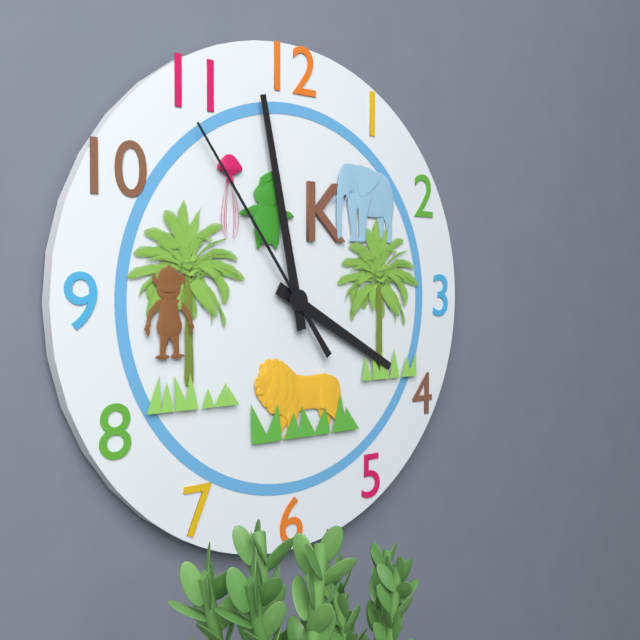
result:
{"hour": 3, "minute": 58, "second": 54}
